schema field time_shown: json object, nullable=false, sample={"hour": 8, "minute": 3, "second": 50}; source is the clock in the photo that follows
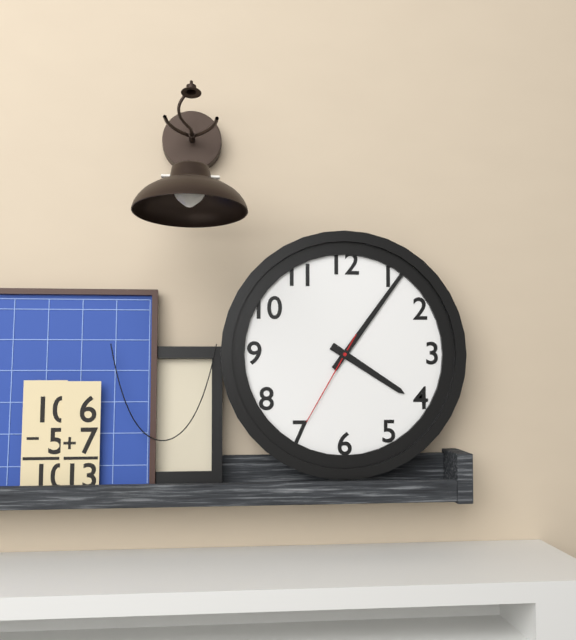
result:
{"hour": 4, "minute": 6, "second": 35}
